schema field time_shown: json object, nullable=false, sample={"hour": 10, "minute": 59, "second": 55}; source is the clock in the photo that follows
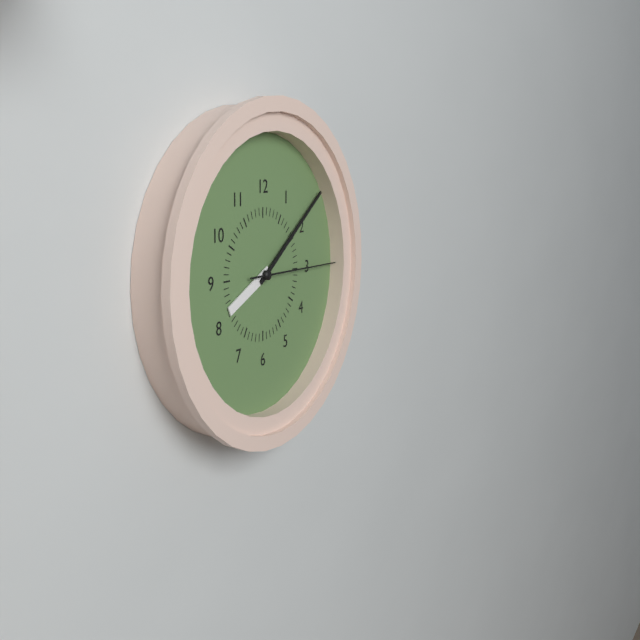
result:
{"hour": 8, "minute": 9, "second": 15}
